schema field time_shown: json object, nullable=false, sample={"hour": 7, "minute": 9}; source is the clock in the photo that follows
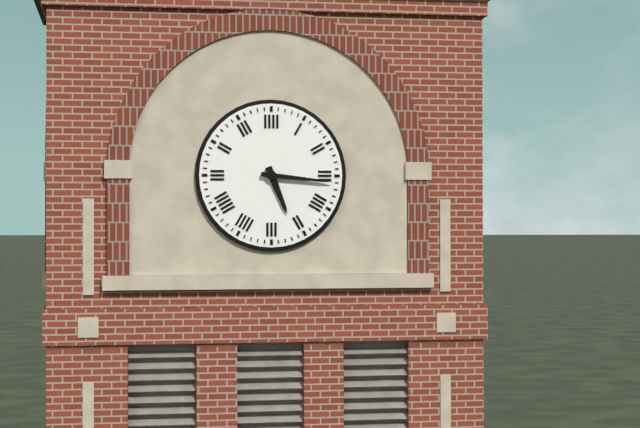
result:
{"hour": 5, "minute": 16}
